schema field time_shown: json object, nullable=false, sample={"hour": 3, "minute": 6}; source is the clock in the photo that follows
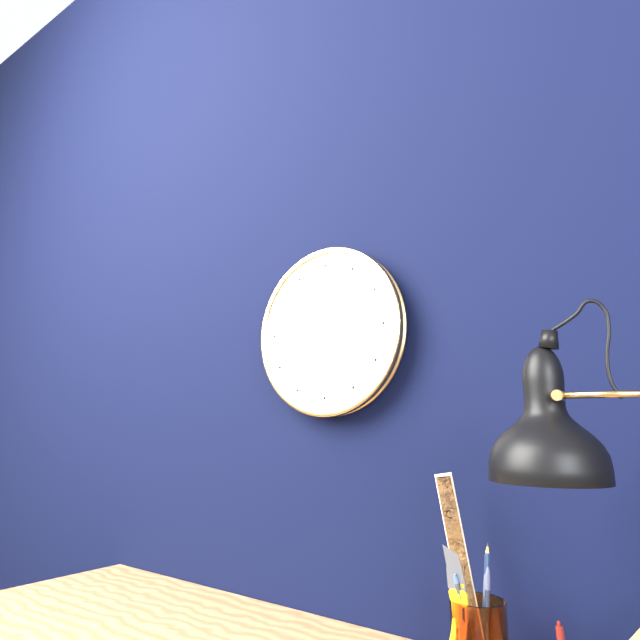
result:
{"hour": 5, "minute": 45}
